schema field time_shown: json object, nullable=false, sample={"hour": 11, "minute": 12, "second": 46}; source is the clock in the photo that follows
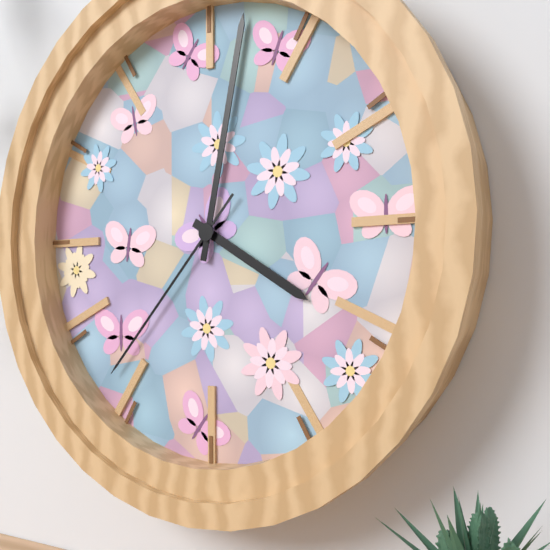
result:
{"hour": 4, "minute": 2, "second": 37}
